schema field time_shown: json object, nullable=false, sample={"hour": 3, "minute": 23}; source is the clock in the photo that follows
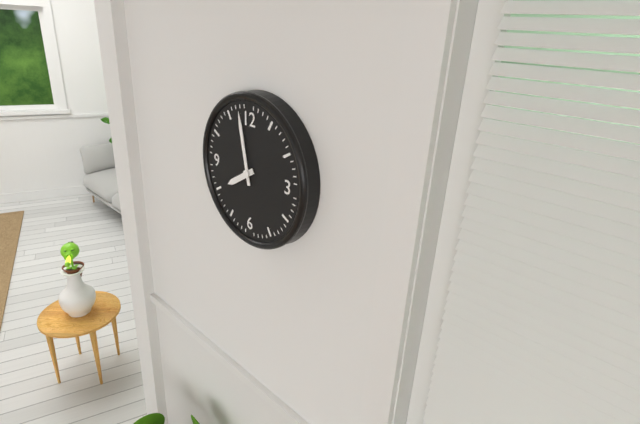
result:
{"hour": 7, "minute": 58}
